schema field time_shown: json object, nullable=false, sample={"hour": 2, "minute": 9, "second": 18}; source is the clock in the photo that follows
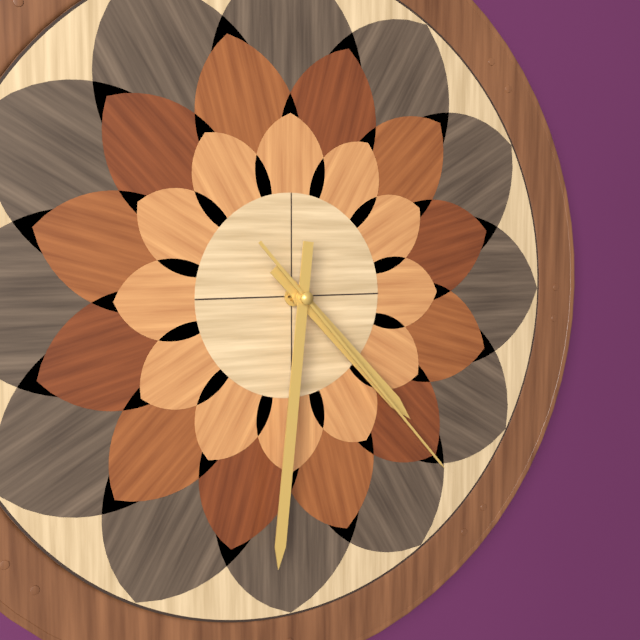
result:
{"hour": 4, "minute": 31, "second": 23}
